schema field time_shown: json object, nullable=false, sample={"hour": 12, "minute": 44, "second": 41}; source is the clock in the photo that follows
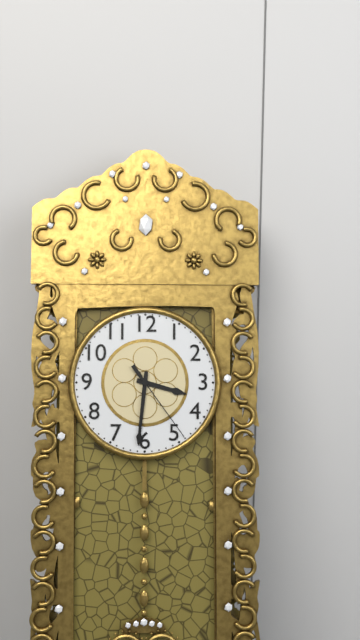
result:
{"hour": 3, "minute": 31, "second": 24}
